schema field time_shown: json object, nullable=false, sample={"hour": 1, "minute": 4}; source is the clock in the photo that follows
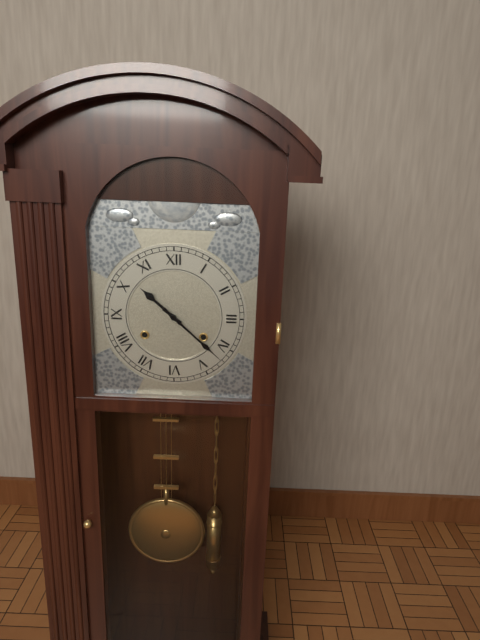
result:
{"hour": 10, "minute": 22}
